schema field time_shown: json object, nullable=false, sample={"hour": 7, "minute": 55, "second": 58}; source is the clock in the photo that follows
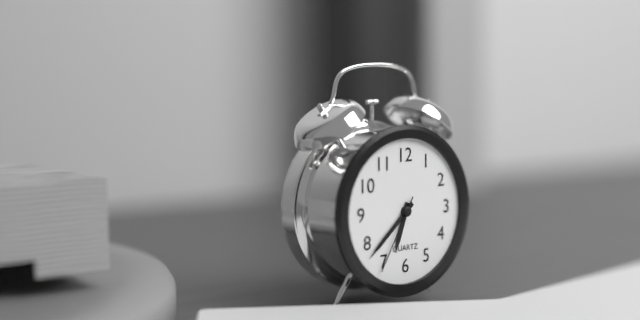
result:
{"hour": 6, "minute": 38, "second": 35}
